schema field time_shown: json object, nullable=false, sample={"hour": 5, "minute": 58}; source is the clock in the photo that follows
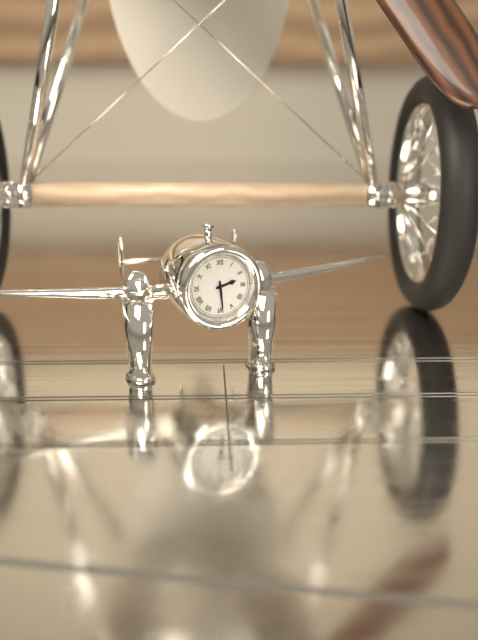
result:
{"hour": 2, "minute": 29}
